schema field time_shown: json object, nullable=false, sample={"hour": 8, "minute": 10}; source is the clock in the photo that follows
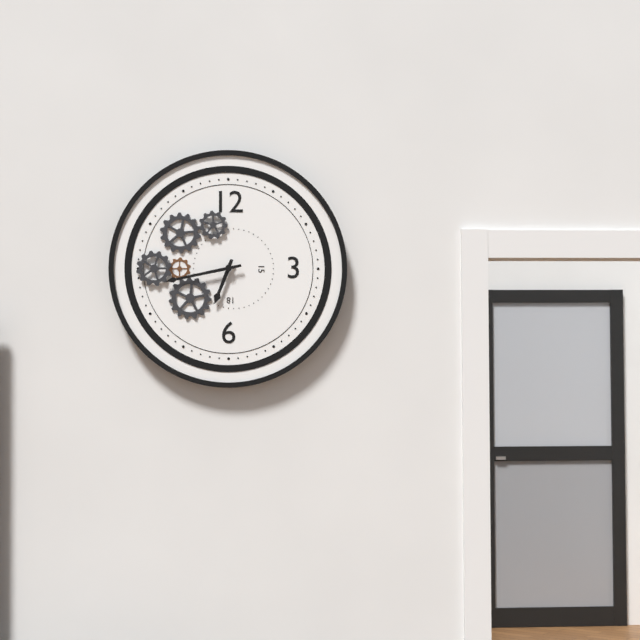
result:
{"hour": 6, "minute": 43}
